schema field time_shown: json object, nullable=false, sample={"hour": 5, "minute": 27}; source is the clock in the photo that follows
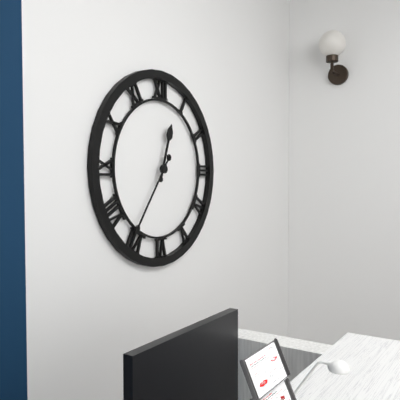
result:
{"hour": 12, "minute": 36}
